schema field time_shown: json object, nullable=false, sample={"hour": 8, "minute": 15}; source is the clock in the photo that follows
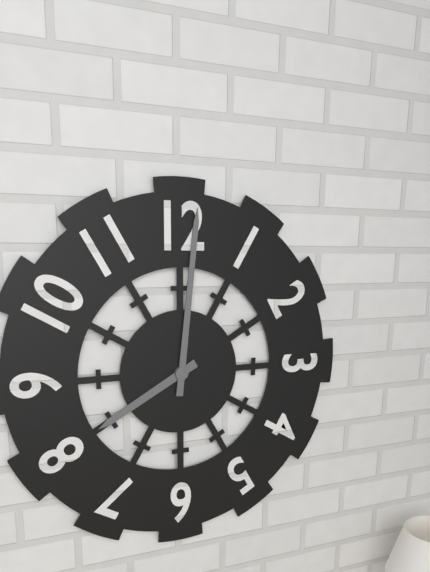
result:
{"hour": 8, "minute": 1}
